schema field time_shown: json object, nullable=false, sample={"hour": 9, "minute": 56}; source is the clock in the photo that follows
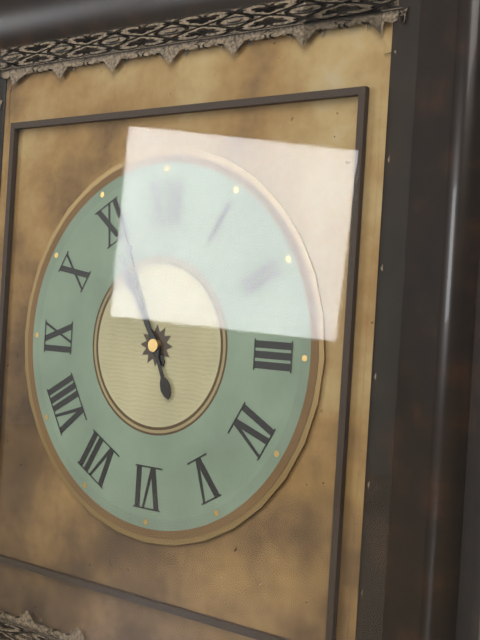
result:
{"hour": 10, "minute": 56}
